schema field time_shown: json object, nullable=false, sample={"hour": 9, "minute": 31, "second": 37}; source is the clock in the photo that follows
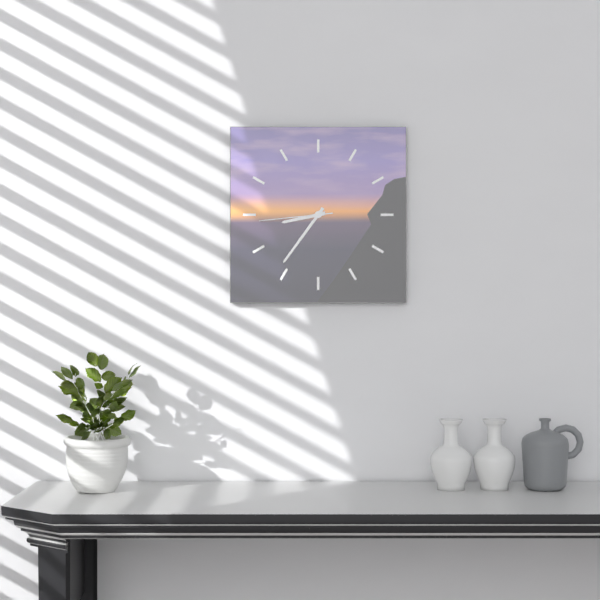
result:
{"hour": 8, "minute": 36, "second": 44}
